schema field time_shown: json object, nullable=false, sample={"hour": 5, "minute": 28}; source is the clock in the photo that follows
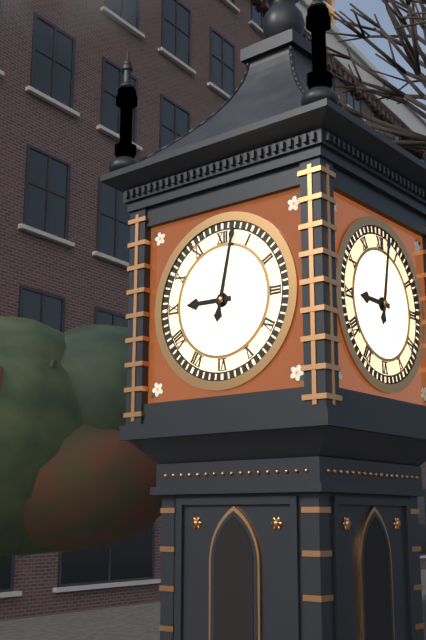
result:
{"hour": 9, "minute": 2}
